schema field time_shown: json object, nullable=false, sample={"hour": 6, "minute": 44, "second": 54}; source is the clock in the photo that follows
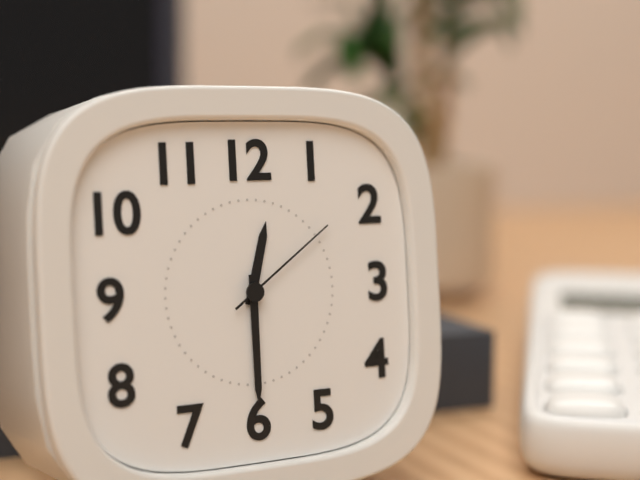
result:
{"hour": 12, "minute": 30, "second": 9}
